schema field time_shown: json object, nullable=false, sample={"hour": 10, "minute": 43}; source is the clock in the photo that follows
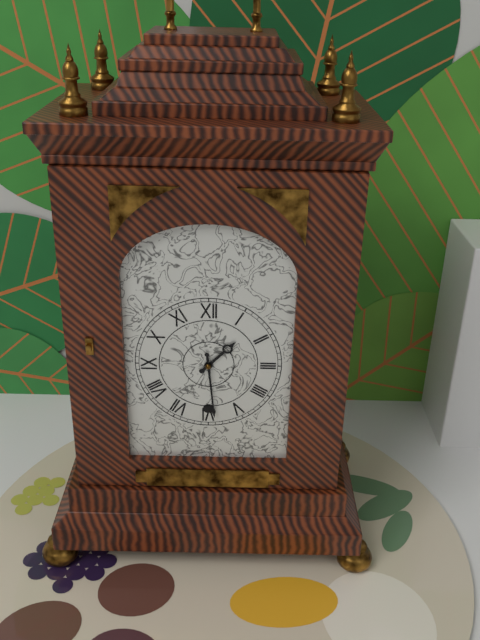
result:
{"hour": 1, "minute": 29}
